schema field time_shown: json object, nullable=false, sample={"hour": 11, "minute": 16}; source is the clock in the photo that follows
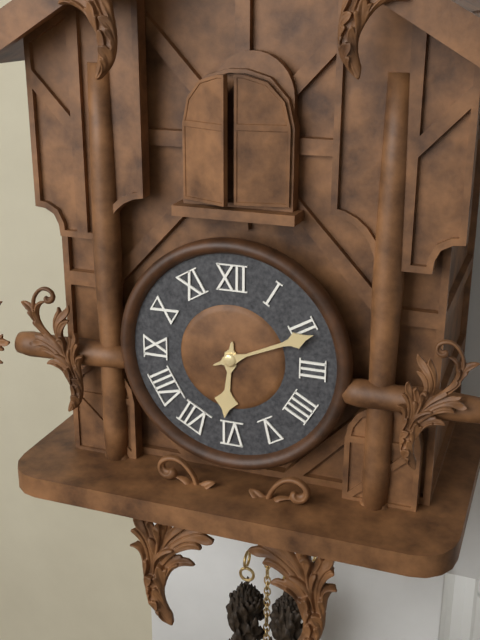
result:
{"hour": 6, "minute": 11}
